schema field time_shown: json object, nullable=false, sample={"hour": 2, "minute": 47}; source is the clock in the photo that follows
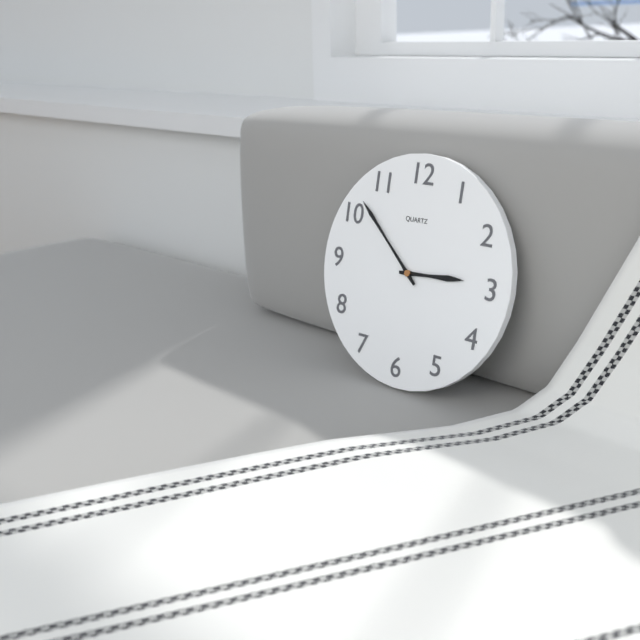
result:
{"hour": 2, "minute": 52}
